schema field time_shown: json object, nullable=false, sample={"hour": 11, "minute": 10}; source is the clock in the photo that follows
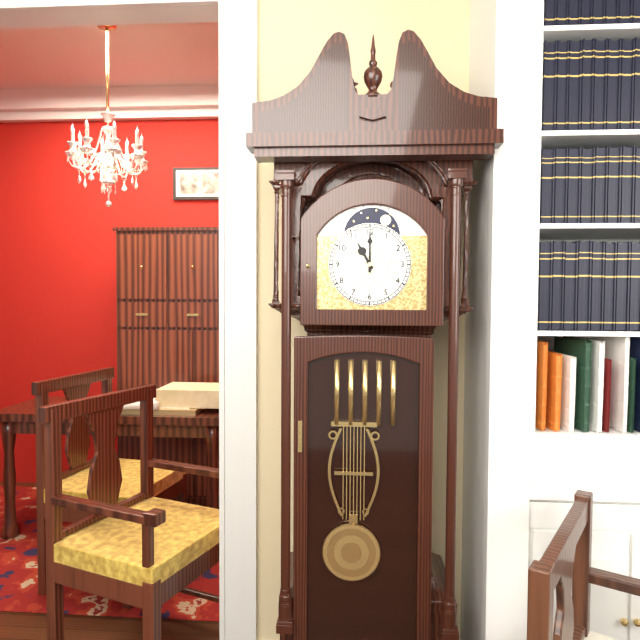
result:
{"hour": 11, "minute": 0}
